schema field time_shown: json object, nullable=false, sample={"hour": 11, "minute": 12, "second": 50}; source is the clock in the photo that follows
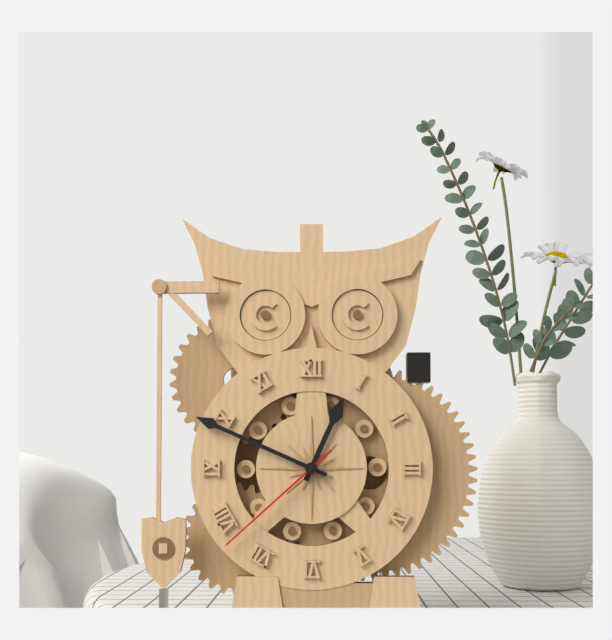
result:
{"hour": 12, "minute": 49, "second": 38}
